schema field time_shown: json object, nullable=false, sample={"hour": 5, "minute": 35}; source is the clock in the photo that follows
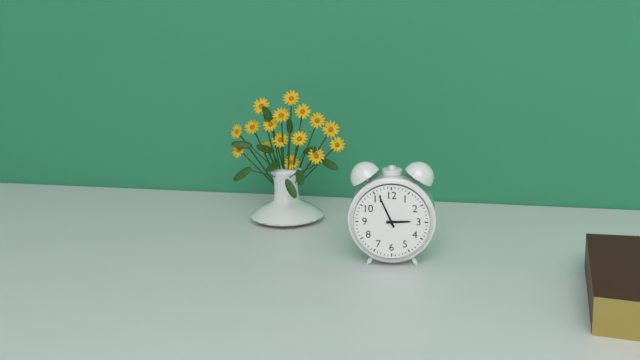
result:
{"hour": 2, "minute": 56}
